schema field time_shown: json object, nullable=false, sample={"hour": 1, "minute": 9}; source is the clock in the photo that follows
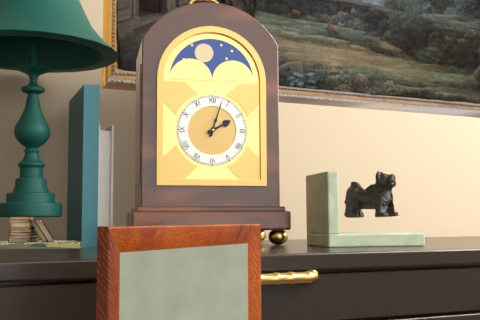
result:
{"hour": 2, "minute": 3}
